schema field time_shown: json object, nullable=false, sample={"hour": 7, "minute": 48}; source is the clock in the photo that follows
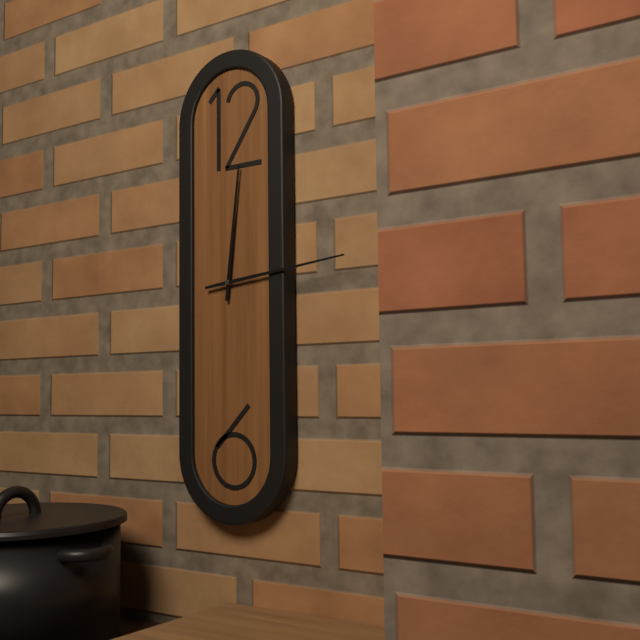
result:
{"hour": 12, "minute": 14}
